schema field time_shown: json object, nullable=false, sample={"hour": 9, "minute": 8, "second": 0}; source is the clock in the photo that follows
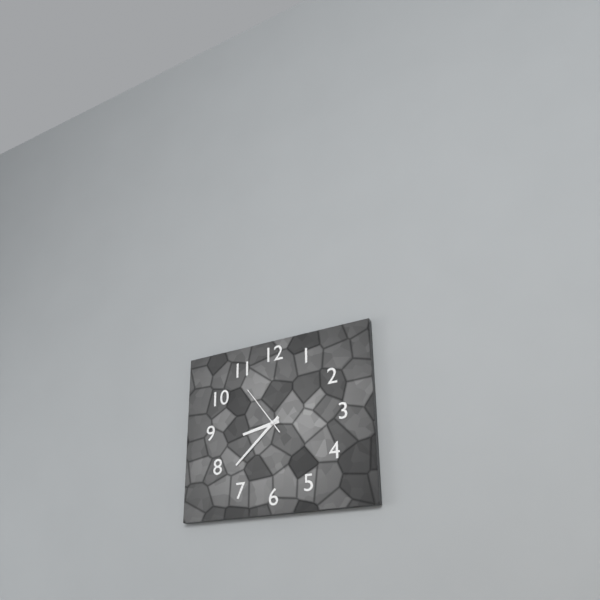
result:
{"hour": 8, "minute": 38, "second": 54}
